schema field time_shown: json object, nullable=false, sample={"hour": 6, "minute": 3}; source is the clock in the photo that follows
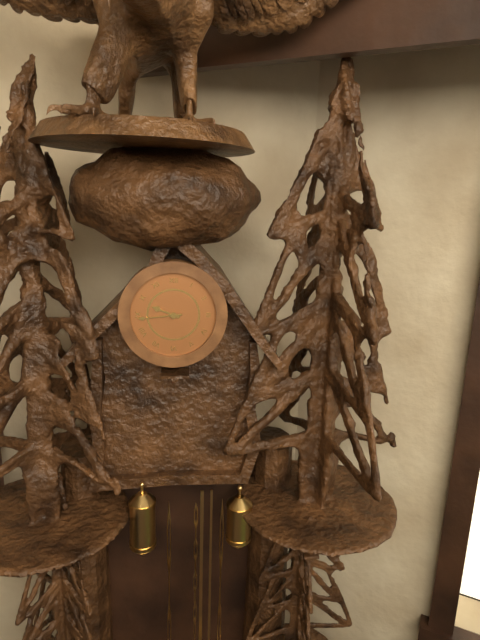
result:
{"hour": 9, "minute": 44}
